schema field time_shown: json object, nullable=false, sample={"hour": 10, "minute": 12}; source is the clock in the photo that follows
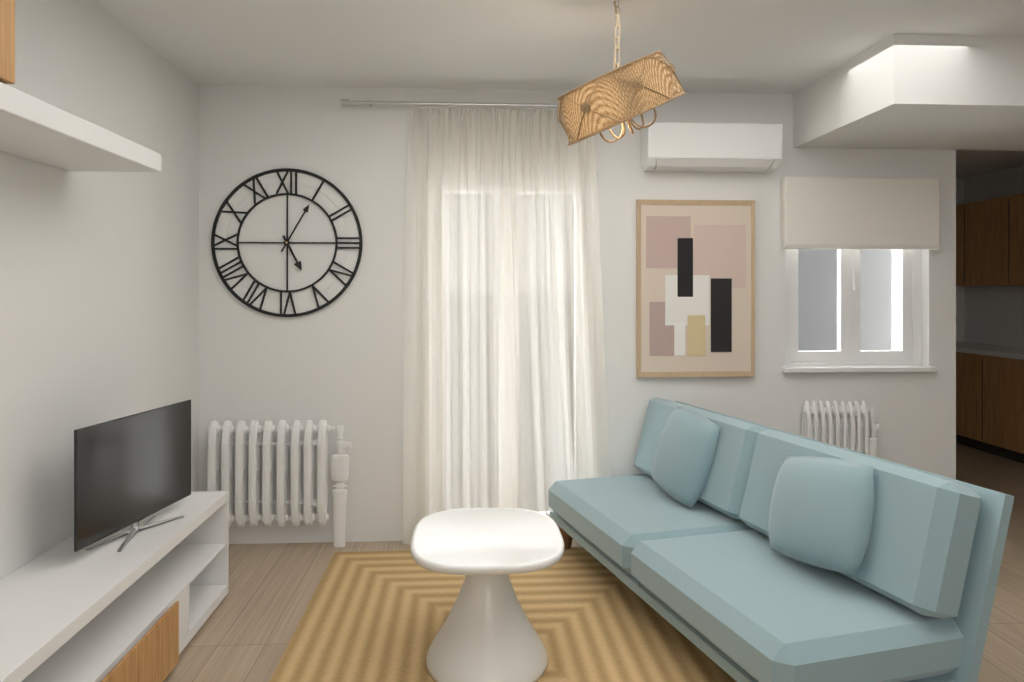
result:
{"hour": 5, "minute": 5}
